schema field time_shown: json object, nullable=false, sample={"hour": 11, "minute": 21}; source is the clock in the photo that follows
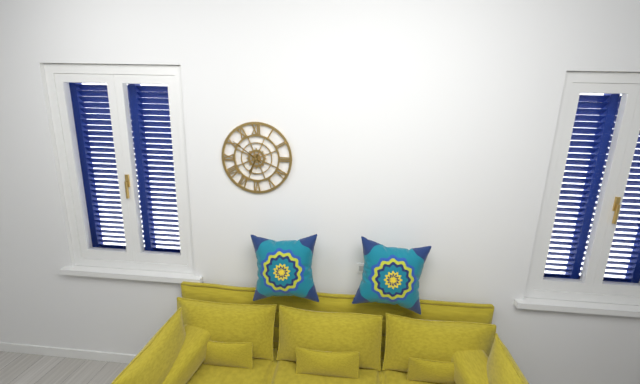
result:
{"hour": 6, "minute": 51}
